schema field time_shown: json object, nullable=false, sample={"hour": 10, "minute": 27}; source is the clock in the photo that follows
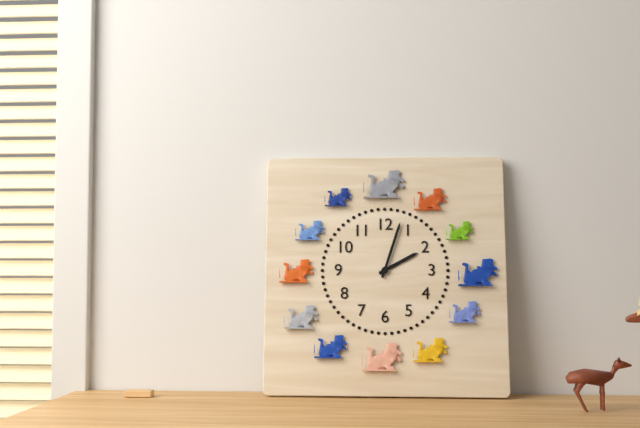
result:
{"hour": 2, "minute": 3}
